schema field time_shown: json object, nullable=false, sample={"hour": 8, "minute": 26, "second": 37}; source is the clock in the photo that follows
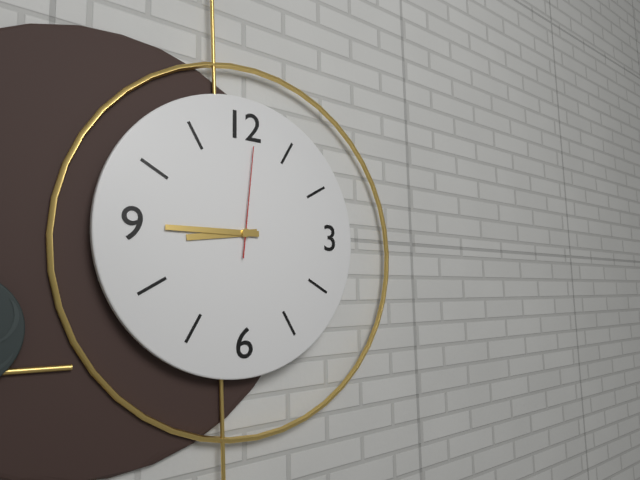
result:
{"hour": 8, "minute": 45, "second": 1}
